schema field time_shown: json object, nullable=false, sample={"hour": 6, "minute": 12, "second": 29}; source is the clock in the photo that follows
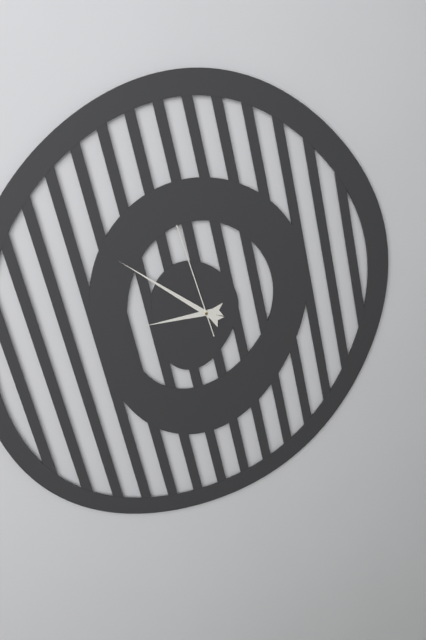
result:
{"hour": 8, "minute": 51, "second": 57}
